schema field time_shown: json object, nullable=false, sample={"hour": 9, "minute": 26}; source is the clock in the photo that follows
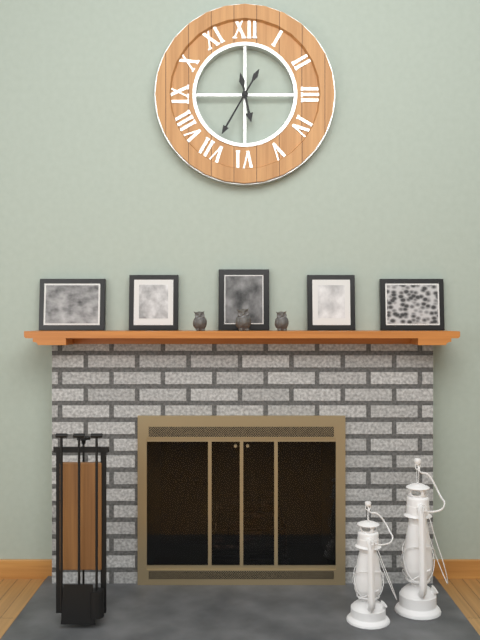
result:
{"hour": 5, "minute": 35}
